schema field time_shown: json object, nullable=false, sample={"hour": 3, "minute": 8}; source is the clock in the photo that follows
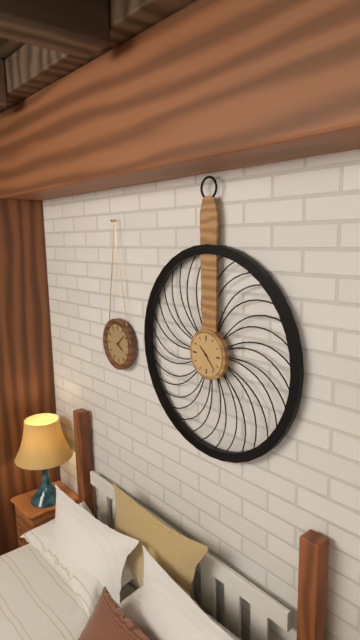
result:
{"hour": 10, "minute": 23}
